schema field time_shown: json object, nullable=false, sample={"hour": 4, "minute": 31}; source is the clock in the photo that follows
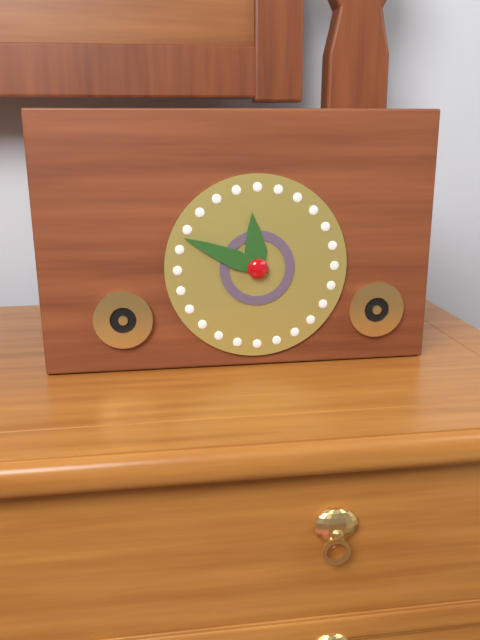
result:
{"hour": 11, "minute": 49}
